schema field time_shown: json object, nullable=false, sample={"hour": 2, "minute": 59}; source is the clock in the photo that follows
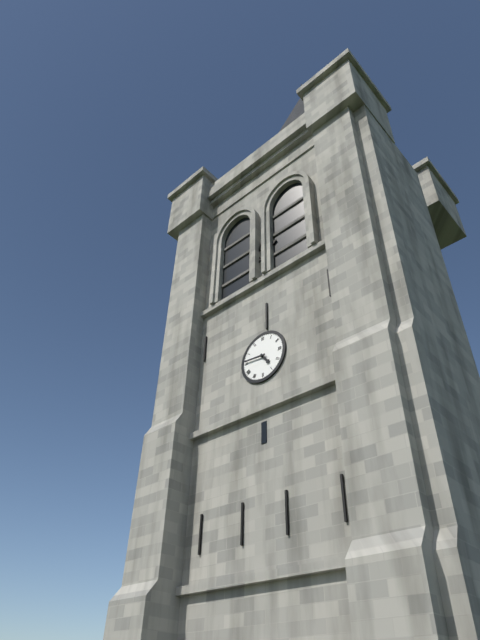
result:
{"hour": 4, "minute": 46}
